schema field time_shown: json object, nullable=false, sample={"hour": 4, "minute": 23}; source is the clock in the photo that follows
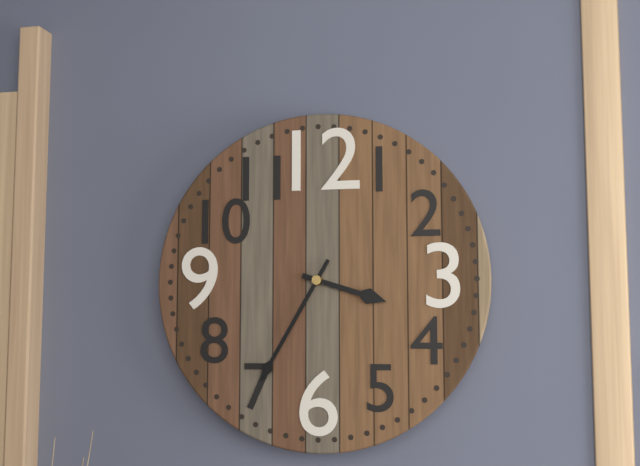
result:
{"hour": 3, "minute": 35}
